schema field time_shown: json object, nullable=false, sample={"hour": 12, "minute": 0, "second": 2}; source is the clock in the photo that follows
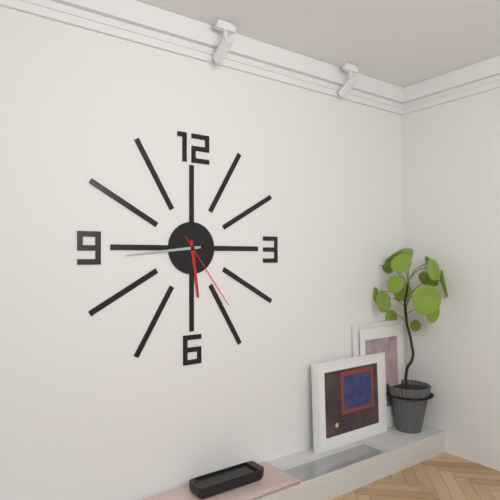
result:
{"hour": 5, "minute": 44, "second": 24}
